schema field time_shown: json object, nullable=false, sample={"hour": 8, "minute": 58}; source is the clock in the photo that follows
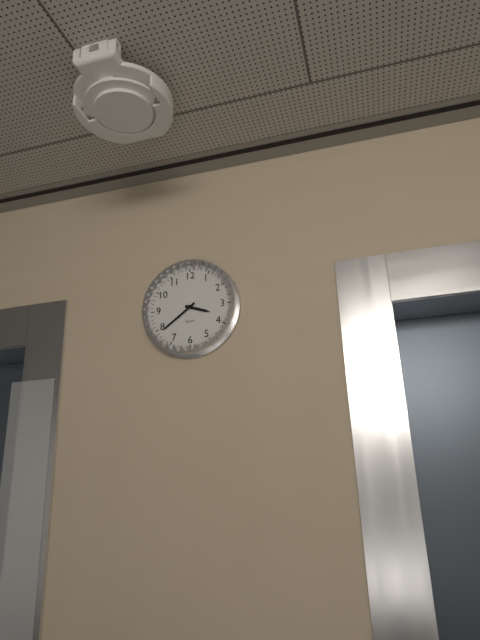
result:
{"hour": 3, "minute": 39}
